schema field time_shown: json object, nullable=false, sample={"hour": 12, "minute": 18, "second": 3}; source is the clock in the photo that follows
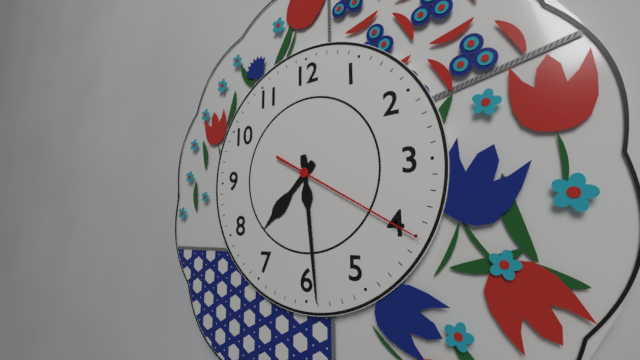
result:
{"hour": 7, "minute": 29, "second": 20}
